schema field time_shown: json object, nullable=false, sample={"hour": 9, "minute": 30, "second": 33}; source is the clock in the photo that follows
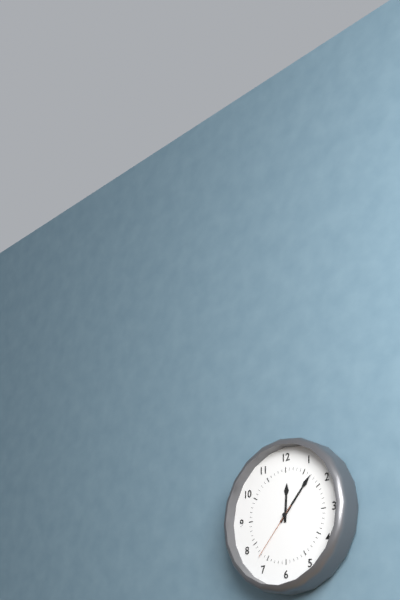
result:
{"hour": 12, "minute": 7, "second": 37}
